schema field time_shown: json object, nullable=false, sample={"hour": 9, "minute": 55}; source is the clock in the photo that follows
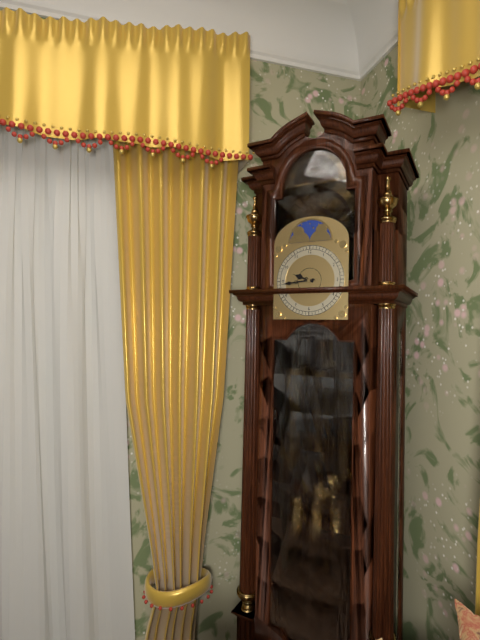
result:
{"hour": 9, "minute": 44}
